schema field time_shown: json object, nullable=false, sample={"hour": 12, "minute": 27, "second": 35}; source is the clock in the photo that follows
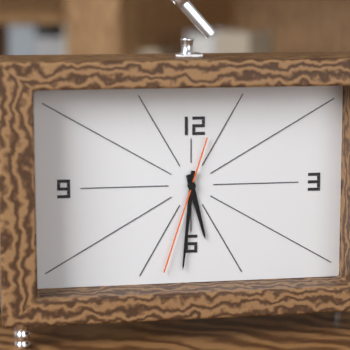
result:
{"hour": 5, "minute": 31, "second": 33}
